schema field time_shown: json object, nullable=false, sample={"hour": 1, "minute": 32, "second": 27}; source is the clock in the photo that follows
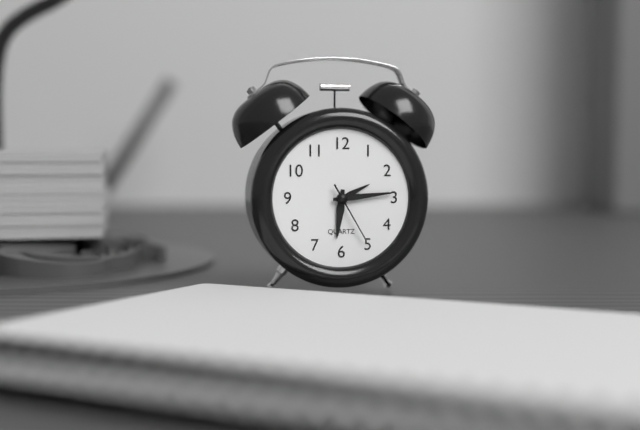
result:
{"hour": 6, "minute": 14, "second": 25}
